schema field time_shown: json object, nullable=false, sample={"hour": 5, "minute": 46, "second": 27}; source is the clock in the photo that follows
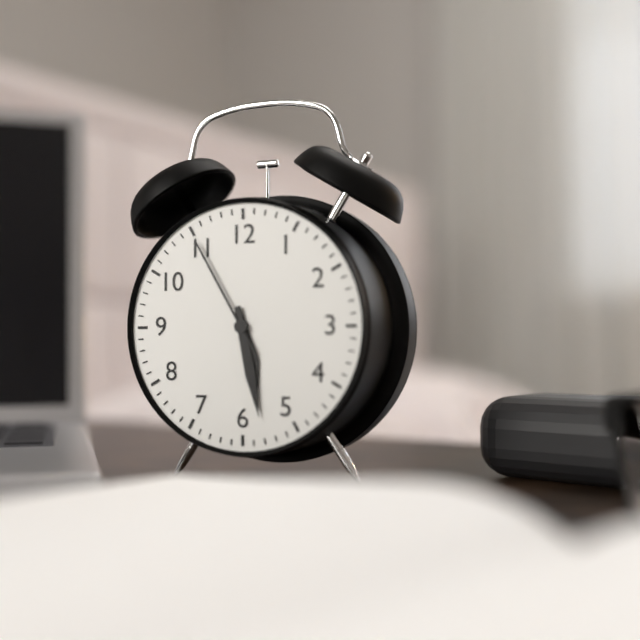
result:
{"hour": 5, "minute": 28, "second": 55}
